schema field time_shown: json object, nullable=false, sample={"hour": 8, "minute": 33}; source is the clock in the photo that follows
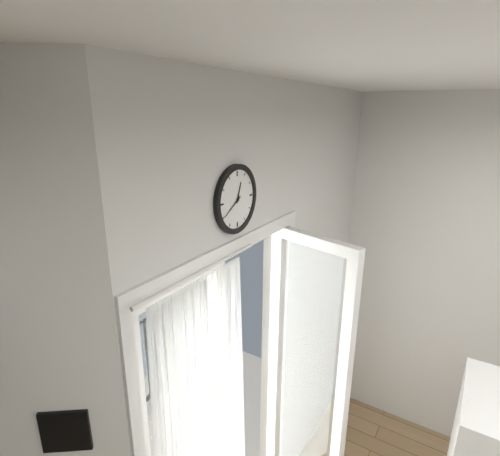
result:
{"hour": 12, "minute": 40}
